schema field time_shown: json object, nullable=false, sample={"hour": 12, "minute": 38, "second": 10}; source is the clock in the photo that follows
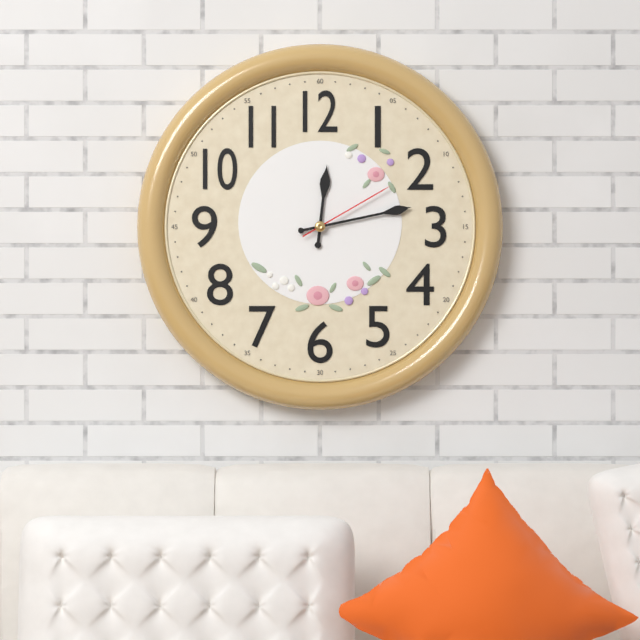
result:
{"hour": 12, "minute": 13, "second": 10}
